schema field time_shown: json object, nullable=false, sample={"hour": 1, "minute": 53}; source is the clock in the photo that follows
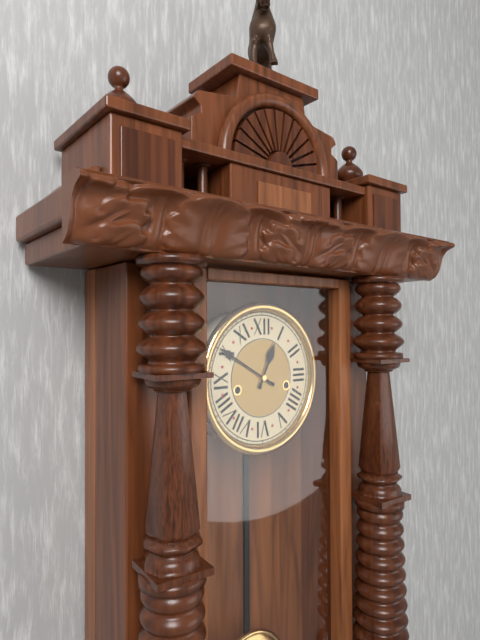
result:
{"hour": 12, "minute": 50}
